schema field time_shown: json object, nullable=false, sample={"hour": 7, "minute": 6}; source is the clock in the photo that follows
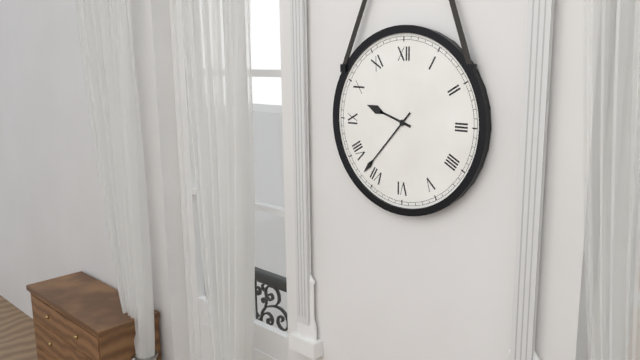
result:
{"hour": 9, "minute": 37}
